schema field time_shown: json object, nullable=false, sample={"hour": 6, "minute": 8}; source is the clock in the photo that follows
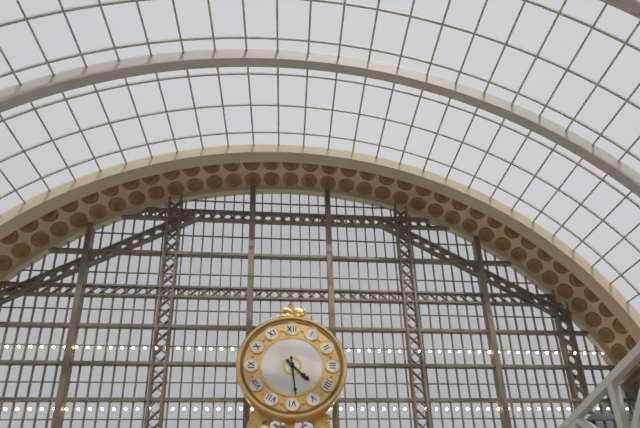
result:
{"hour": 4, "minute": 29}
